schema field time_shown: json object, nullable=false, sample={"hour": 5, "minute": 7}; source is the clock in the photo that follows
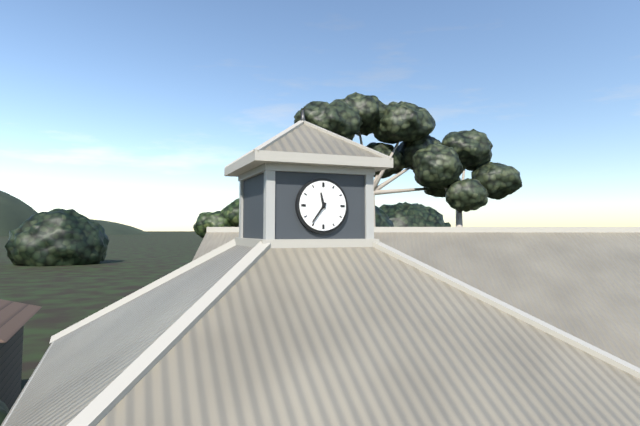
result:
{"hour": 11, "minute": 36}
